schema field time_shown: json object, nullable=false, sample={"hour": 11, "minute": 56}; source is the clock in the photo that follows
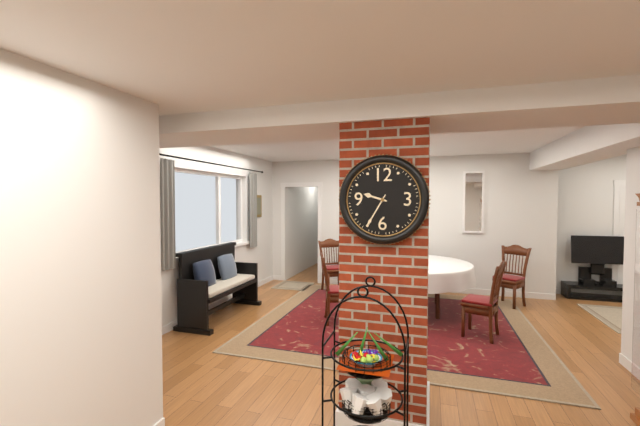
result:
{"hour": 9, "minute": 35}
